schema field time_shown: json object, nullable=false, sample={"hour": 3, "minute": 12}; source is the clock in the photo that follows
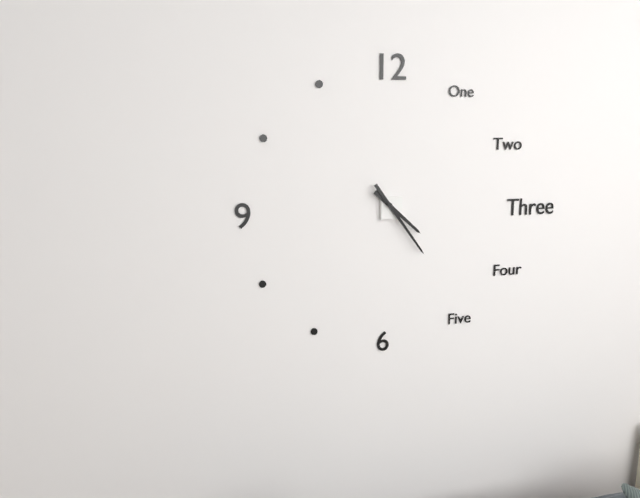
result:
{"hour": 4, "minute": 24}
